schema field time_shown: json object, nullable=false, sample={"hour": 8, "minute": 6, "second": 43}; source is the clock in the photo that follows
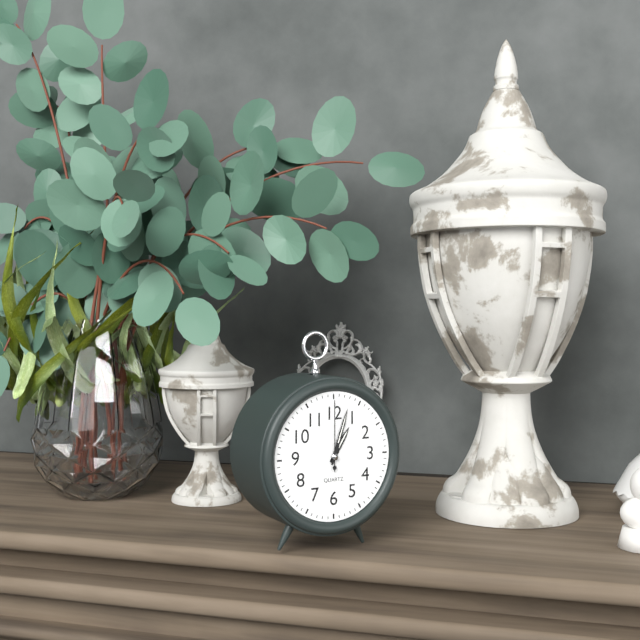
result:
{"hour": 1, "minute": 3, "second": 0}
